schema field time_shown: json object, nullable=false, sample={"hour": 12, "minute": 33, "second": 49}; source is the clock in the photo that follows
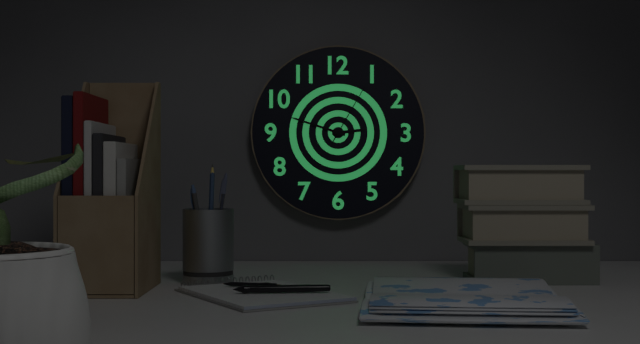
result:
{"hour": 2, "minute": 48, "second": 5}
